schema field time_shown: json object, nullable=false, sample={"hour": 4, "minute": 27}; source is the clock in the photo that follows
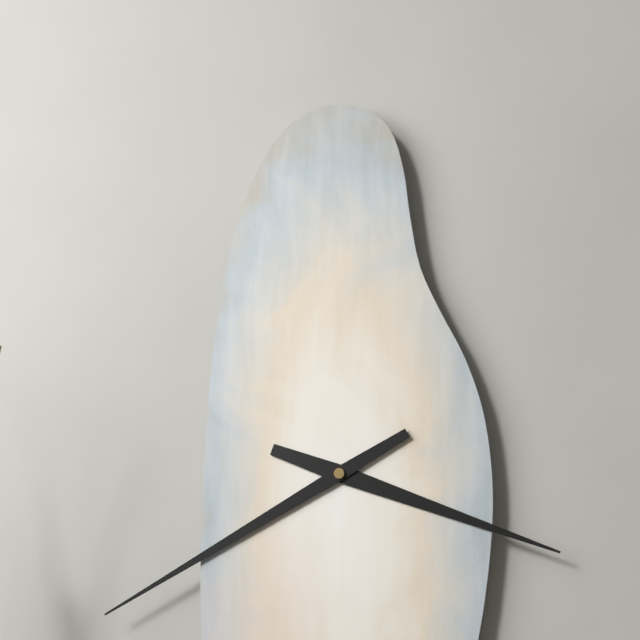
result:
{"hour": 3, "minute": 40}
